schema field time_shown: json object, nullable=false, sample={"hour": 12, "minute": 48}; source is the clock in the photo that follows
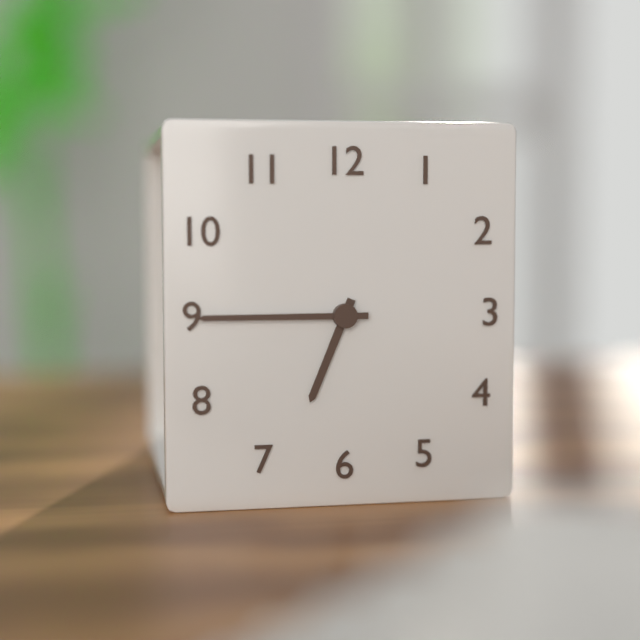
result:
{"hour": 6, "minute": 45}
